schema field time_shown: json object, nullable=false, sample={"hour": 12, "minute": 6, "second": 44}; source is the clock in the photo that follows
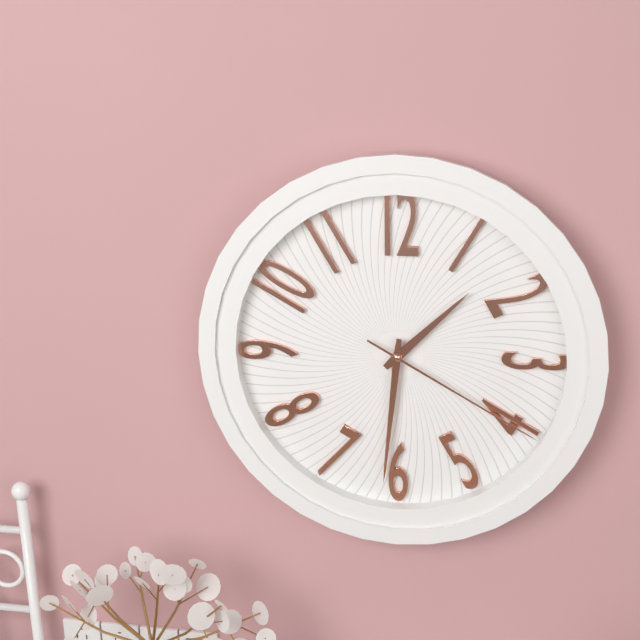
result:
{"hour": 1, "minute": 31, "second": 20}
